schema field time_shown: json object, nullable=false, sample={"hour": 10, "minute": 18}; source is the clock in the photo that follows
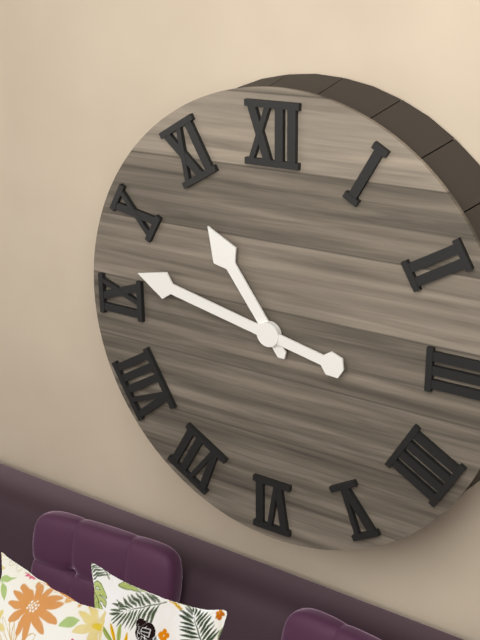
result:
{"hour": 10, "minute": 47}
